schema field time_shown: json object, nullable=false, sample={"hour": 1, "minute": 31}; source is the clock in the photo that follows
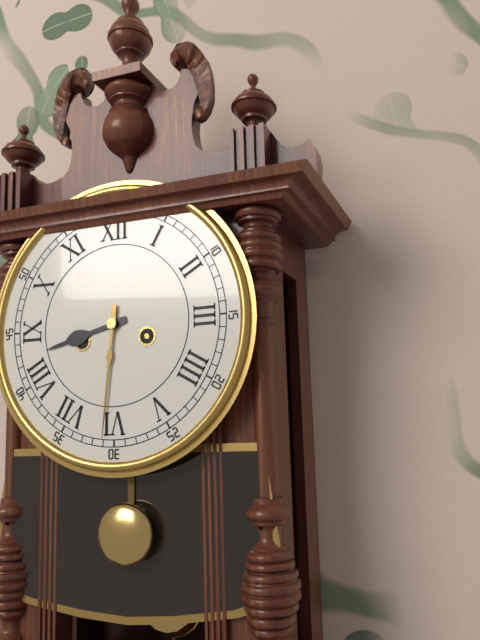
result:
{"hour": 8, "minute": 31}
